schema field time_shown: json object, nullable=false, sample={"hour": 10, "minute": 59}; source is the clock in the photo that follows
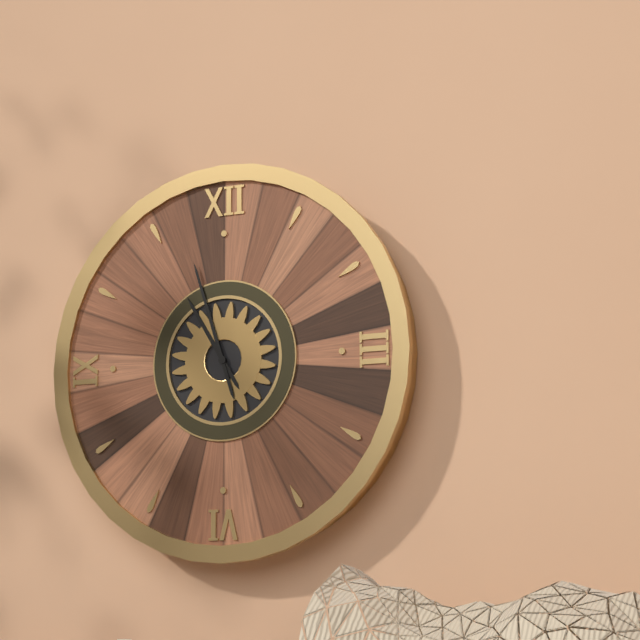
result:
{"hour": 10, "minute": 57}
